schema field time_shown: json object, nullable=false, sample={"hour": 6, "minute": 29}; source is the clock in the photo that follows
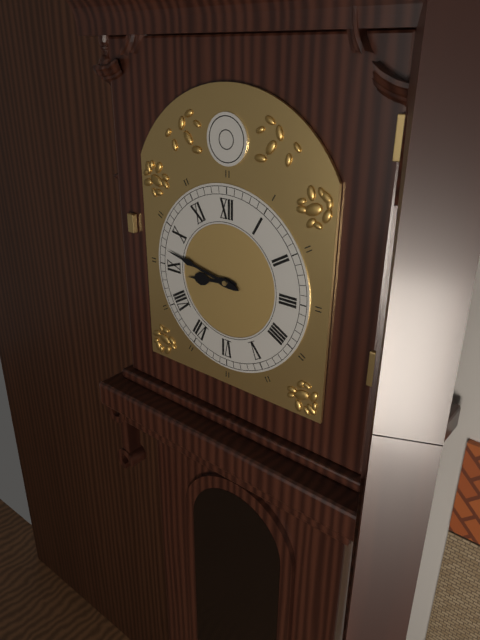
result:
{"hour": 8, "minute": 47}
